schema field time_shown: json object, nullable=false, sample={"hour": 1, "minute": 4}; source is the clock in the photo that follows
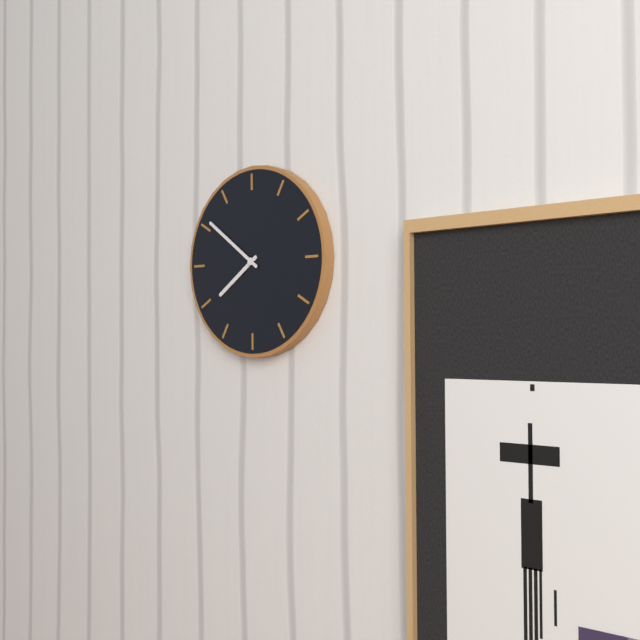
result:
{"hour": 7, "minute": 51}
